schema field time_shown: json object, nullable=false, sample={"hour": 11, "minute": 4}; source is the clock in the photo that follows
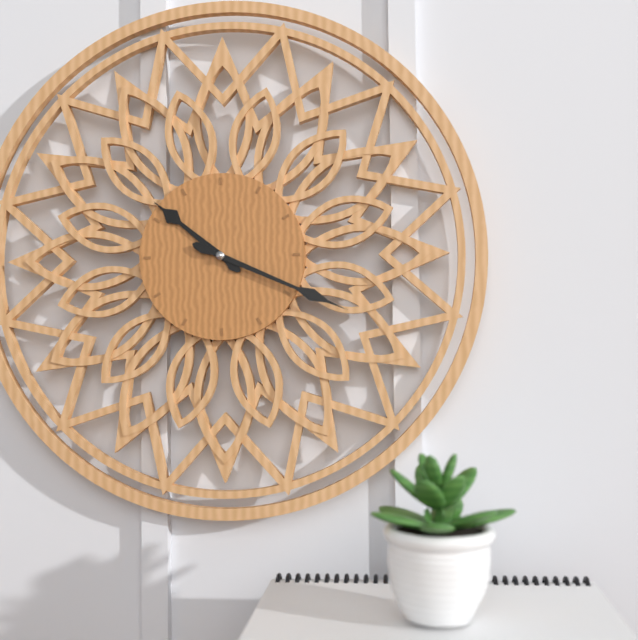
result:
{"hour": 10, "minute": 19}
